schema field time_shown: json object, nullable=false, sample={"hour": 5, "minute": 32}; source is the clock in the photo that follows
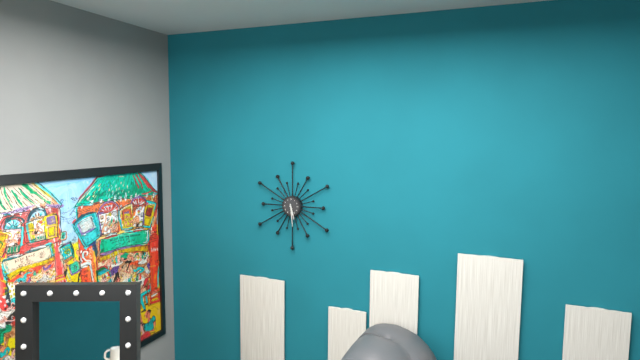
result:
{"hour": 5, "minute": 29}
